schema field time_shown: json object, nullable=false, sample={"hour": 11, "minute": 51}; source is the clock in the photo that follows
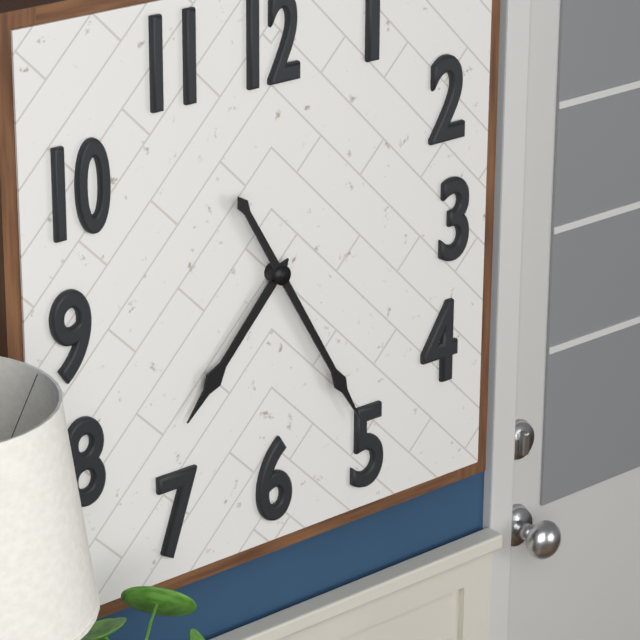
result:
{"hour": 7, "minute": 25}
